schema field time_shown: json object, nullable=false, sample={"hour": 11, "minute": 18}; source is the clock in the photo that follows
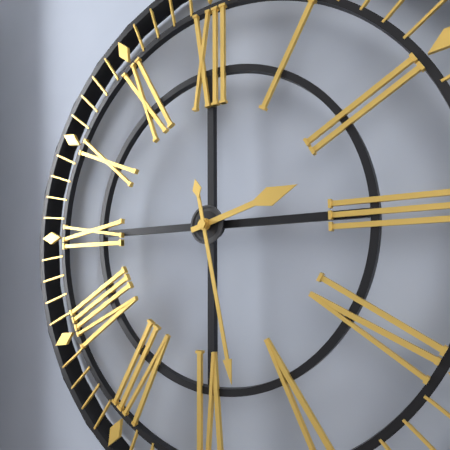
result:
{"hour": 2, "minute": 28}
